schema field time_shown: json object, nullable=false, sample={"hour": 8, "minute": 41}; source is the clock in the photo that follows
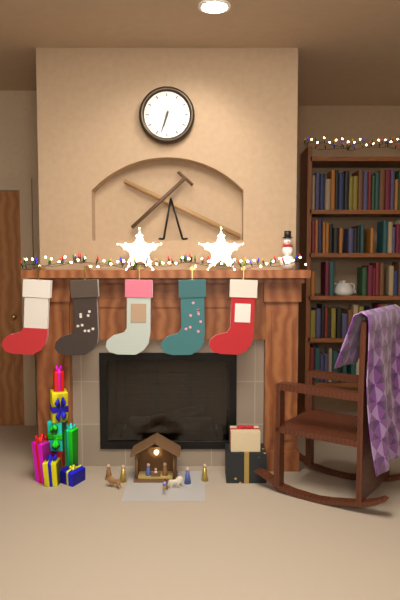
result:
{"hour": 6, "minute": 33}
